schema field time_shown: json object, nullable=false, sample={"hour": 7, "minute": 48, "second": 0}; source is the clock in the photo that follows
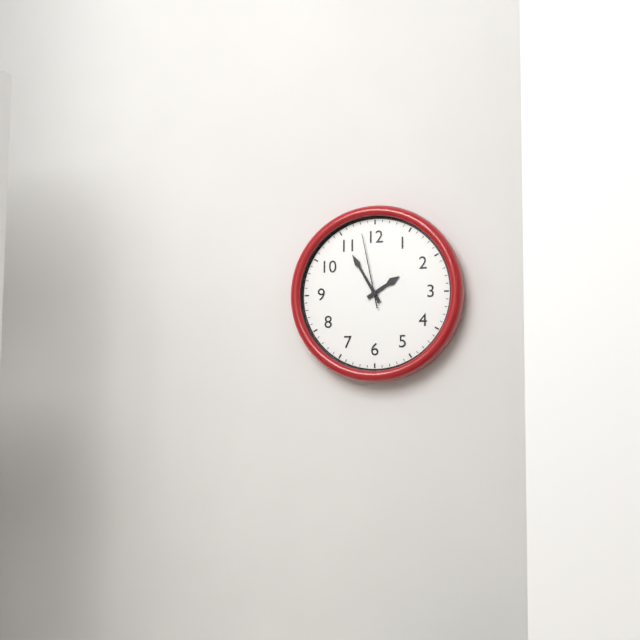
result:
{"hour": 1, "minute": 55, "second": 58}
